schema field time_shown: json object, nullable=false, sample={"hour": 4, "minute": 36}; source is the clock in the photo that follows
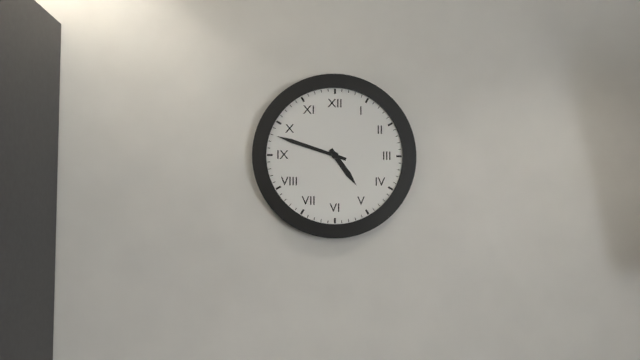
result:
{"hour": 4, "minute": 48}
